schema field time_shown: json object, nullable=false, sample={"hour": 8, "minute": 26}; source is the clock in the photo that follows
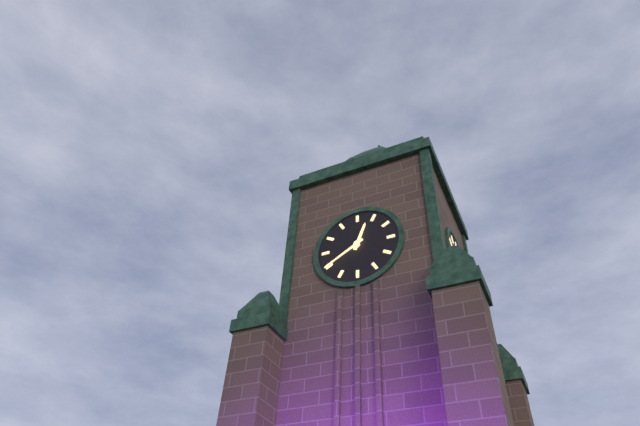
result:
{"hour": 12, "minute": 40}
